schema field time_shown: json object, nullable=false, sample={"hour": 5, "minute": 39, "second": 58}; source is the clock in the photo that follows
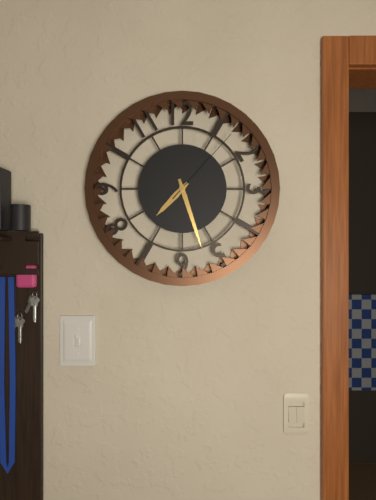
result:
{"hour": 7, "minute": 27, "second": 7}
